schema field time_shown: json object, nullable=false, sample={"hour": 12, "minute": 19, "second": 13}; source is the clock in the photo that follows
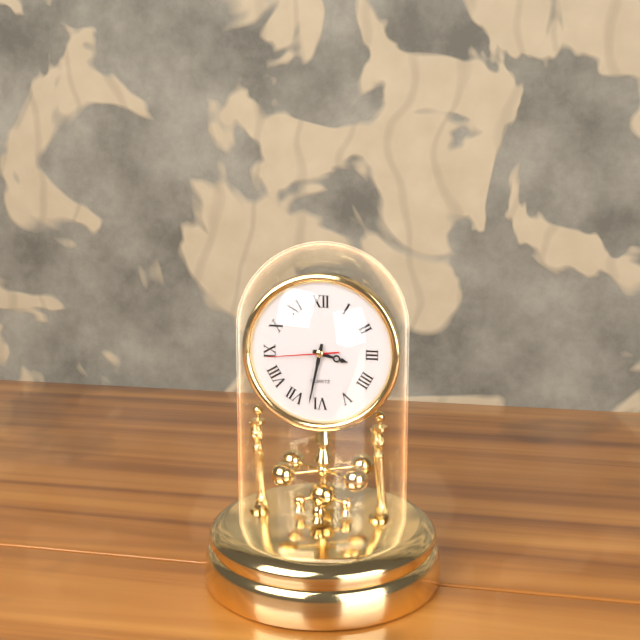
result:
{"hour": 3, "minute": 32, "second": 44}
